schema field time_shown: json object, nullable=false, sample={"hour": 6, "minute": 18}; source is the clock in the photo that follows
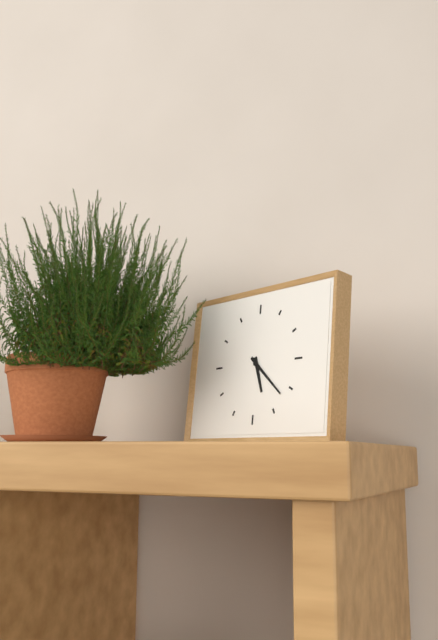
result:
{"hour": 5, "minute": 22}
